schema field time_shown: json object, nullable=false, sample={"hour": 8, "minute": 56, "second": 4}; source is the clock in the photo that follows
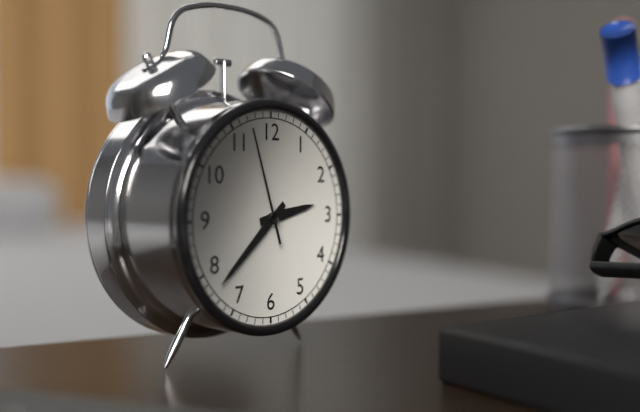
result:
{"hour": 2, "minute": 38, "second": 57}
